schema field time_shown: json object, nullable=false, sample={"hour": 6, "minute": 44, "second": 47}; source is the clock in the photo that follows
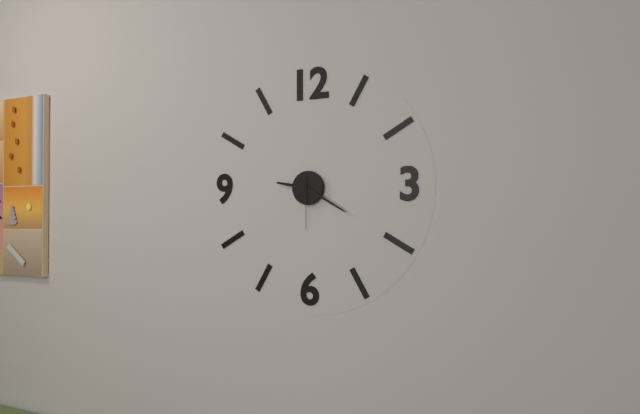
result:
{"hour": 9, "minute": 20, "second": 30}
